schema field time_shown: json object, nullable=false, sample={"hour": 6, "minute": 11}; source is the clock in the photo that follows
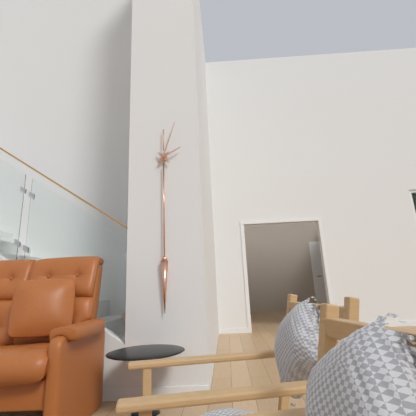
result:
{"hour": 2, "minute": 3}
